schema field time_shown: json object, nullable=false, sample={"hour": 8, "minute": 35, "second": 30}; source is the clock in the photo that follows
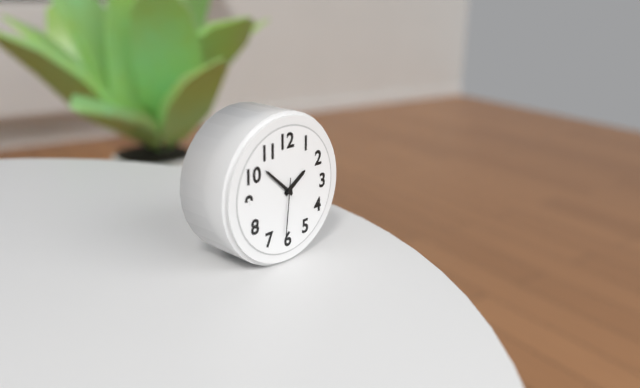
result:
{"hour": 1, "minute": 52, "second": 31}
